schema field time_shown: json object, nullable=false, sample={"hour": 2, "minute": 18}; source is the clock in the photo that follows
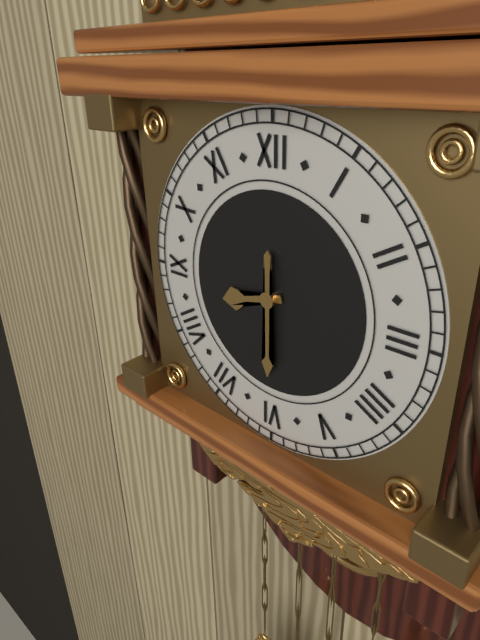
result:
{"hour": 8, "minute": 30}
